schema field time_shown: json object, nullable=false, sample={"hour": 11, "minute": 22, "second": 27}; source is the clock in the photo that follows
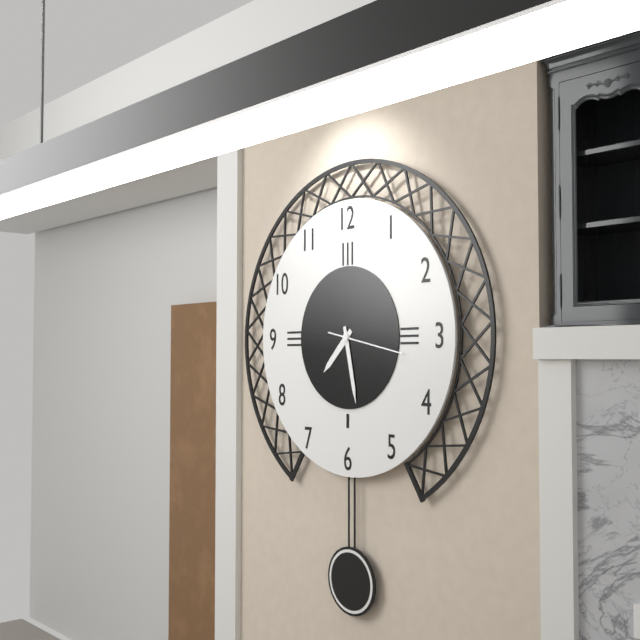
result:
{"hour": 7, "minute": 28, "second": 17}
